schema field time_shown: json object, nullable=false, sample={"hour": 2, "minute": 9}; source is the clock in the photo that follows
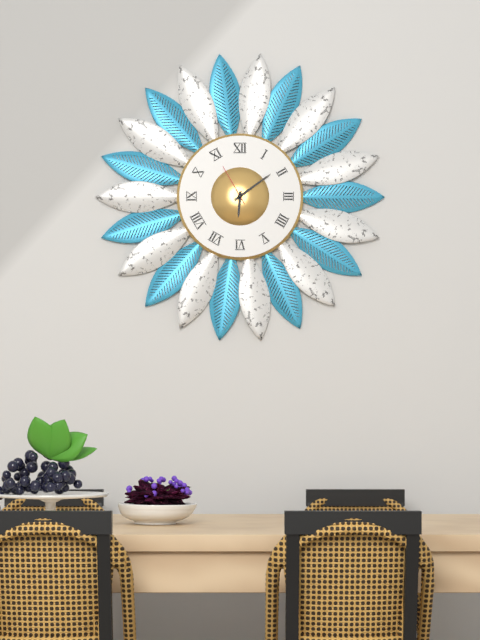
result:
{"hour": 6, "minute": 9}
